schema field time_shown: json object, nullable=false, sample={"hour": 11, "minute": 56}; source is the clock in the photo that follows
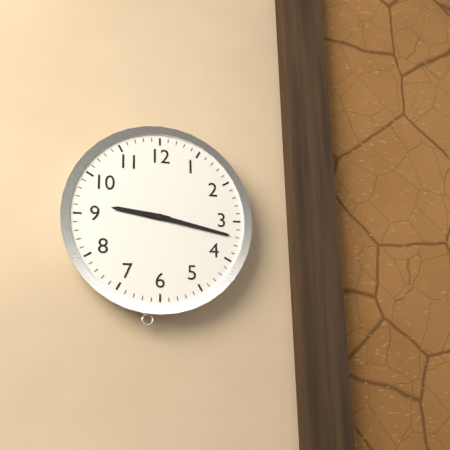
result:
{"hour": 9, "minute": 17}
